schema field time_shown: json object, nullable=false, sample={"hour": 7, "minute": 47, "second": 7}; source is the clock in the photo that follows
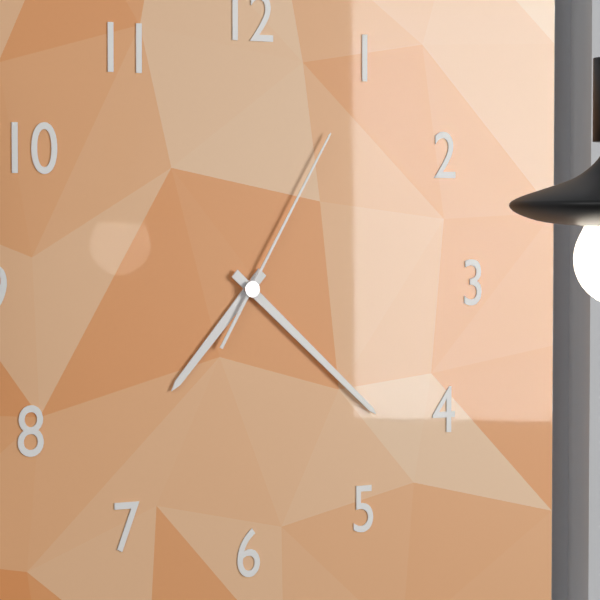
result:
{"hour": 7, "minute": 22, "second": 5}
